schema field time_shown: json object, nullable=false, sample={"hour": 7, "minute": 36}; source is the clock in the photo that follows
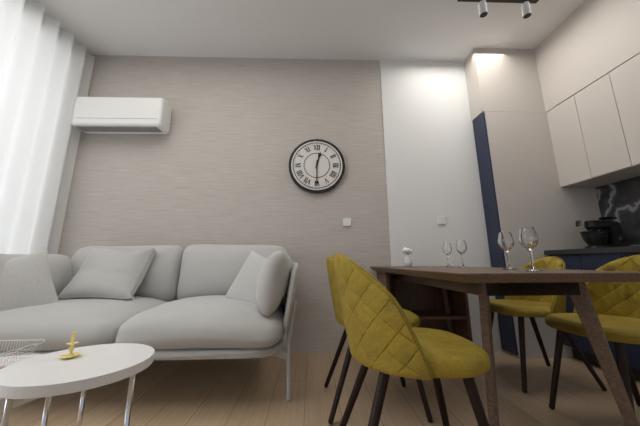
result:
{"hour": 12, "minute": 30}
